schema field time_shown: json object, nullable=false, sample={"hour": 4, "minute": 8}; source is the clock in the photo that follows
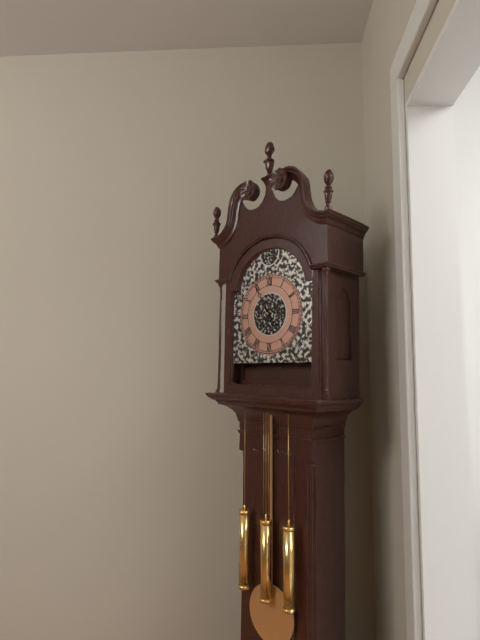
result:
{"hour": 4, "minute": 55}
